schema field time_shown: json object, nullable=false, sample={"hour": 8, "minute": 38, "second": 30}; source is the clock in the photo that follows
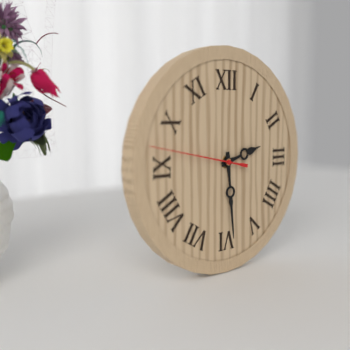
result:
{"hour": 2, "minute": 29, "second": 47}
